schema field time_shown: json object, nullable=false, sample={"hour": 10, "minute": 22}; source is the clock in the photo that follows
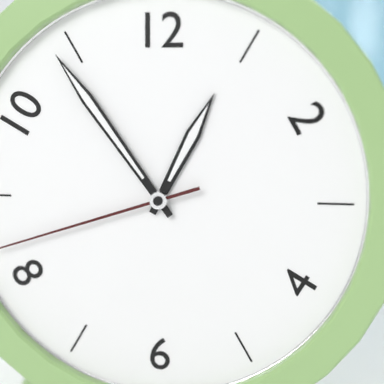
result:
{"hour": 12, "minute": 54}
